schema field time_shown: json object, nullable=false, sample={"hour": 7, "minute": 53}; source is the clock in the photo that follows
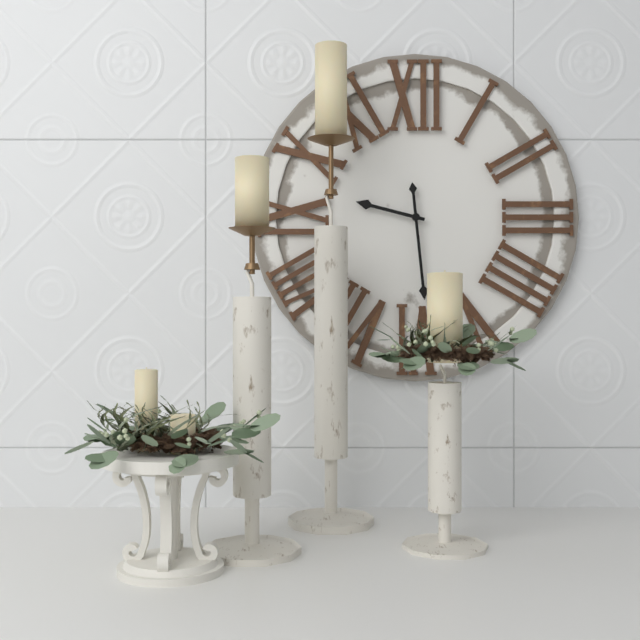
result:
{"hour": 9, "minute": 29}
